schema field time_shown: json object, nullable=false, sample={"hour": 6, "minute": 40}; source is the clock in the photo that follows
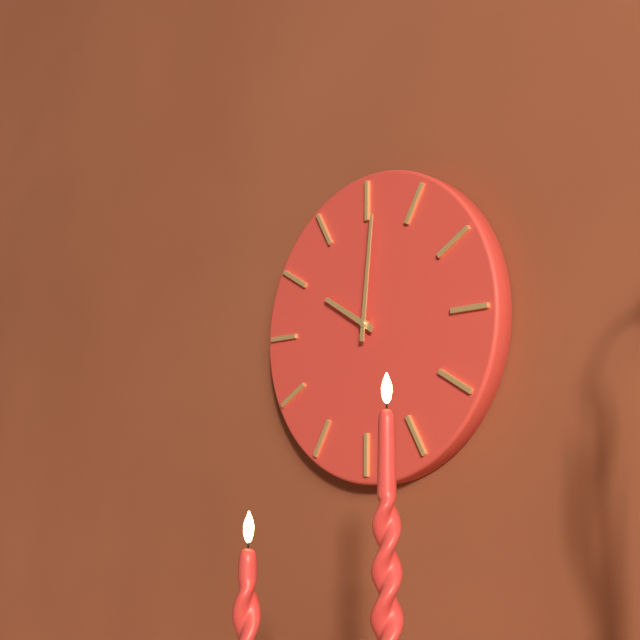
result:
{"hour": 10, "minute": 1}
